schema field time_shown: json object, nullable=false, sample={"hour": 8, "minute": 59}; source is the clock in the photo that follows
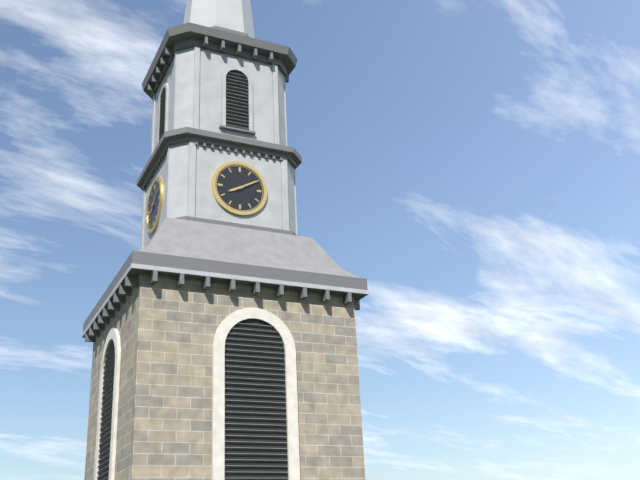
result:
{"hour": 8, "minute": 10}
